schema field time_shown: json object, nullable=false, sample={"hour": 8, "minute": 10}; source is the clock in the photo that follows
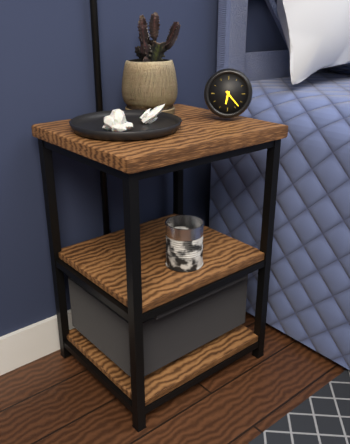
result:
{"hour": 6, "minute": 23}
